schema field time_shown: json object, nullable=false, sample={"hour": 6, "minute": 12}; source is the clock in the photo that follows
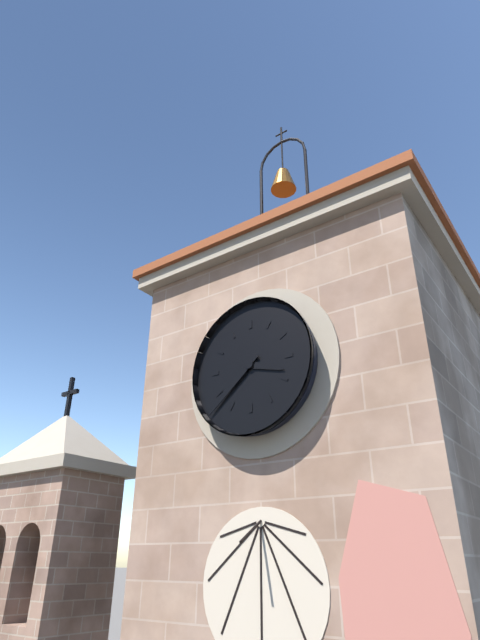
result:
{"hour": 3, "minute": 38}
